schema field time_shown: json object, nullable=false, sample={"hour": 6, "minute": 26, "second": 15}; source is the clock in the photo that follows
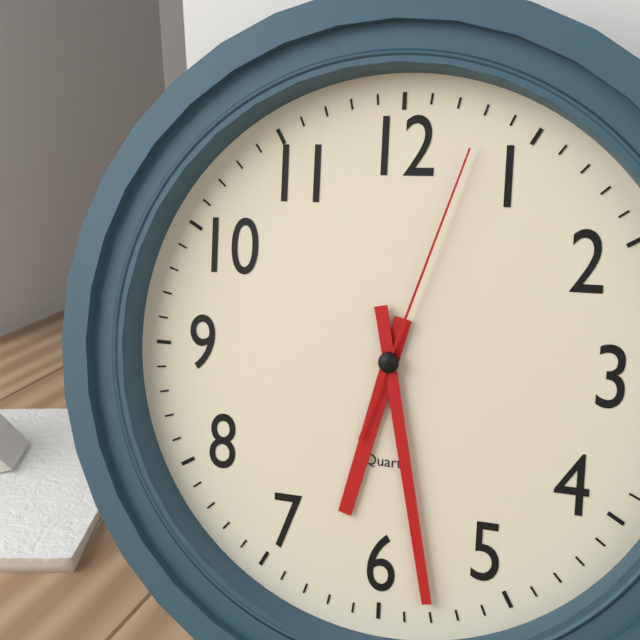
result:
{"hour": 6, "minute": 28, "second": 3}
